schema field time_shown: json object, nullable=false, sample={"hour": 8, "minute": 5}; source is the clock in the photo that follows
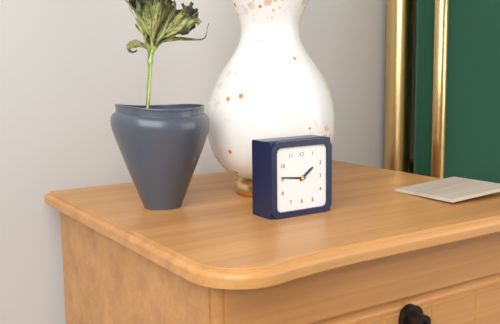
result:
{"hour": 1, "minute": 46}
